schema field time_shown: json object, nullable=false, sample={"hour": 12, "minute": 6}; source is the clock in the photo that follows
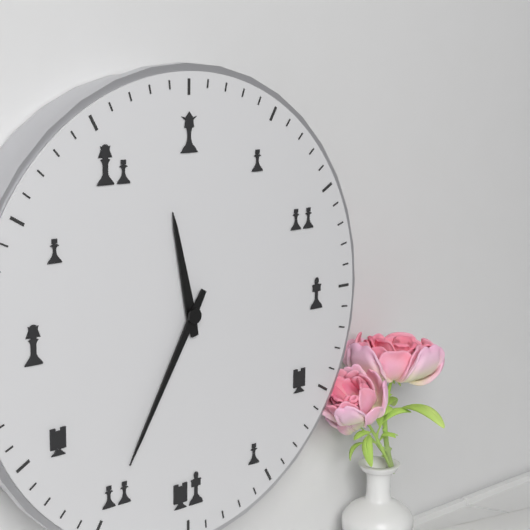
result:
{"hour": 11, "minute": 35}
